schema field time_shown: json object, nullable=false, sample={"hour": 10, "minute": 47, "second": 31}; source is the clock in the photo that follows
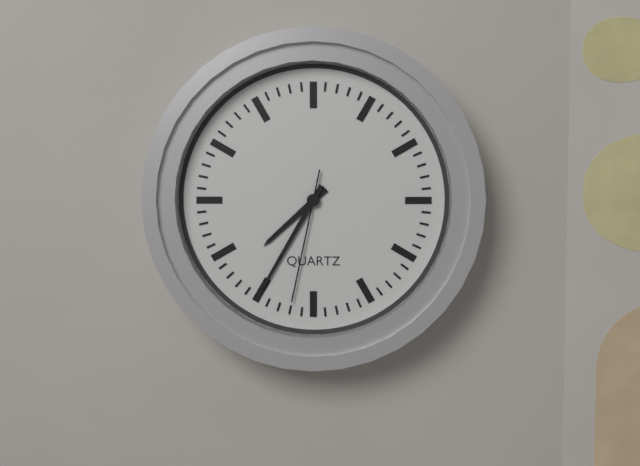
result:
{"hour": 7, "minute": 35, "second": 32}
